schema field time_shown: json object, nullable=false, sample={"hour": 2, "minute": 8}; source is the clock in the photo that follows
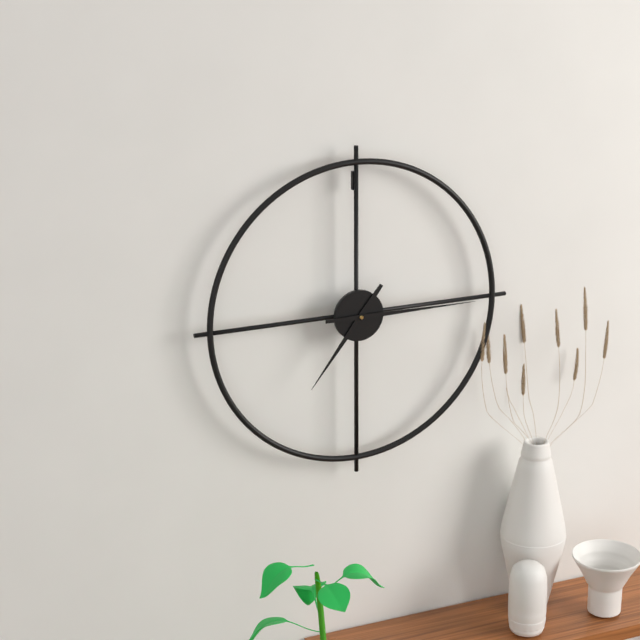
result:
{"hour": 7, "minute": 15}
